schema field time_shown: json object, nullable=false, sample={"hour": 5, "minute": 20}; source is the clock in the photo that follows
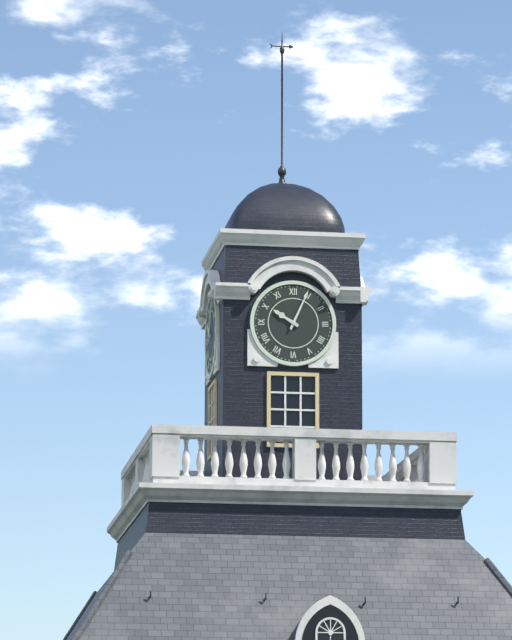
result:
{"hour": 10, "minute": 4}
